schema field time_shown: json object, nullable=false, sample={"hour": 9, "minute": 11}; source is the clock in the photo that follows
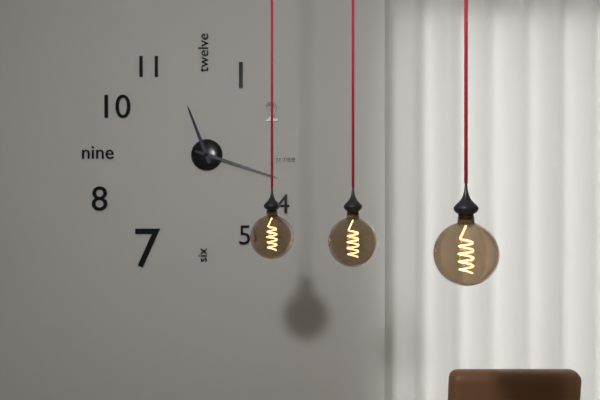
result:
{"hour": 11, "minute": 18}
